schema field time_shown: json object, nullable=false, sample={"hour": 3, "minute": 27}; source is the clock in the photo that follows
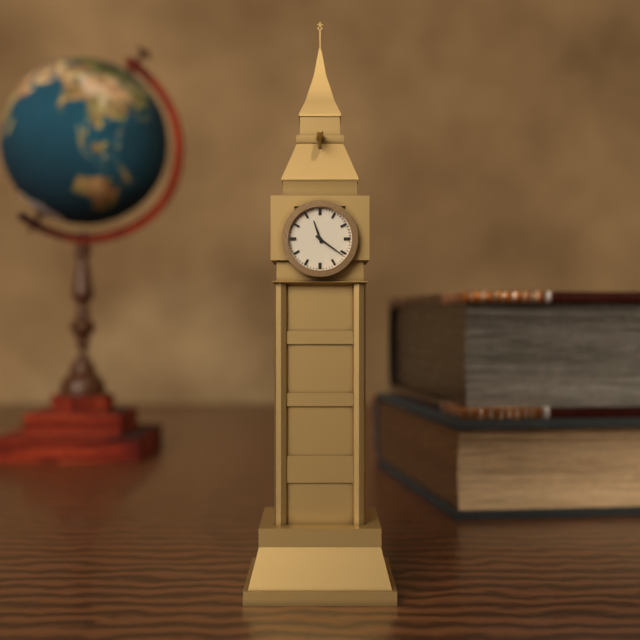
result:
{"hour": 11, "minute": 21}
